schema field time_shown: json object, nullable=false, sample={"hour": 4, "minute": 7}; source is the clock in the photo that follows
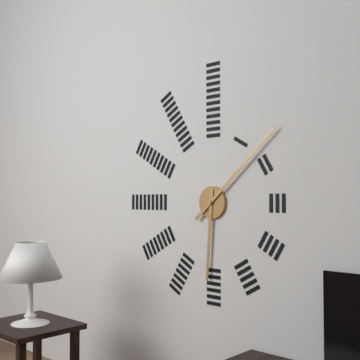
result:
{"hour": 6, "minute": 8}
